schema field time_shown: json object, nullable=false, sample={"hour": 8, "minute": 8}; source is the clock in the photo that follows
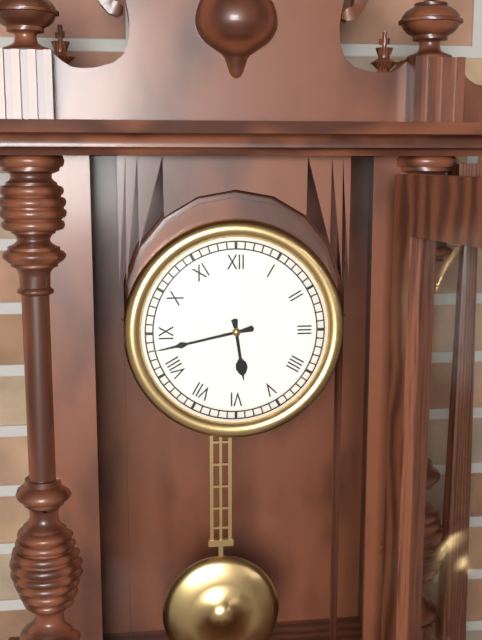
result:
{"hour": 5, "minute": 43}
